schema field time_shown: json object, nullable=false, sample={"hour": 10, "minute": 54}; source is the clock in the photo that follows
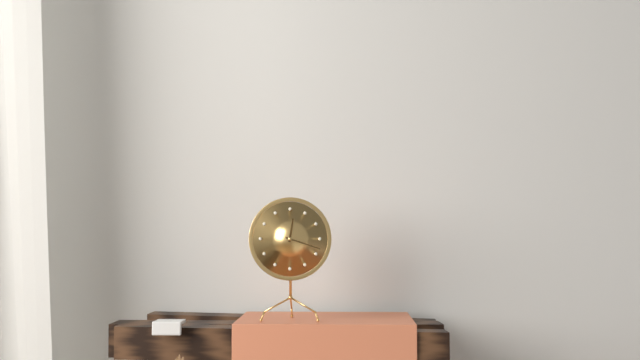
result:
{"hour": 12, "minute": 18}
